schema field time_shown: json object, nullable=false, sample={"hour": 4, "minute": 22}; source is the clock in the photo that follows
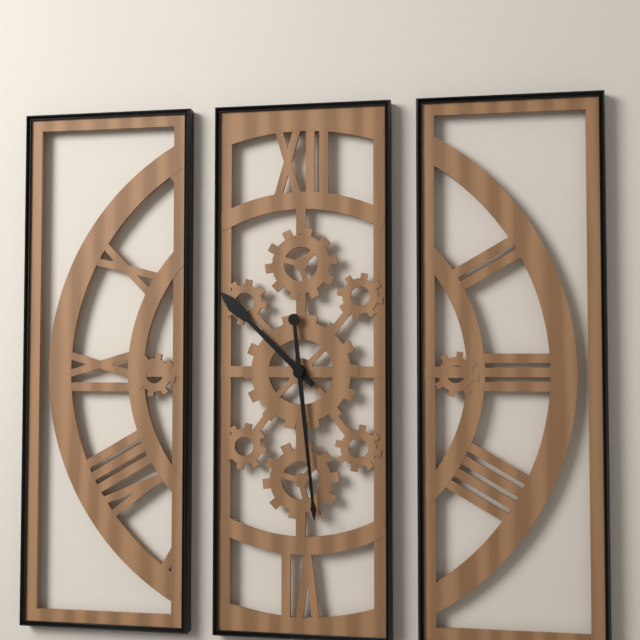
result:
{"hour": 10, "minute": 29}
